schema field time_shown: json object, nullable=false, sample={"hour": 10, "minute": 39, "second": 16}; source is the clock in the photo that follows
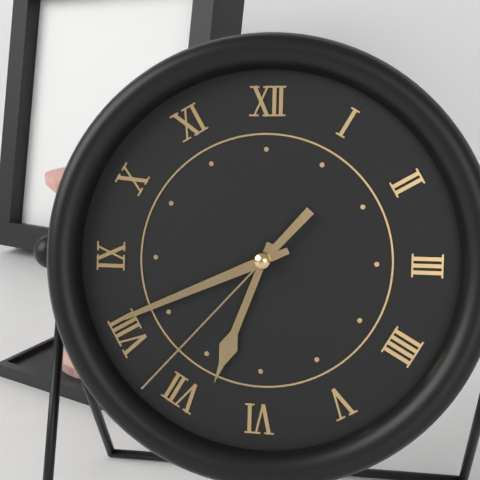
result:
{"hour": 6, "minute": 41, "second": 37}
